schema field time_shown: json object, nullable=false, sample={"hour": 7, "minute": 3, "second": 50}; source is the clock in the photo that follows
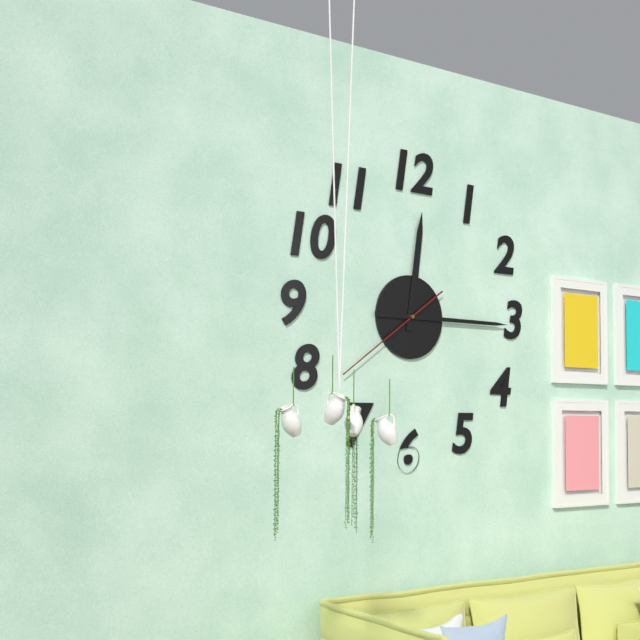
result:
{"hour": 12, "minute": 15, "second": 39}
